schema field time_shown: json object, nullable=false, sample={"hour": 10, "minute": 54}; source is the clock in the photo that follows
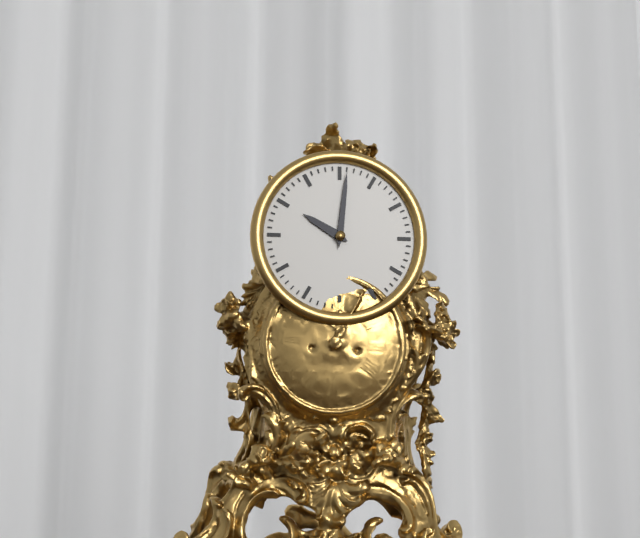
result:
{"hour": 10, "minute": 1}
